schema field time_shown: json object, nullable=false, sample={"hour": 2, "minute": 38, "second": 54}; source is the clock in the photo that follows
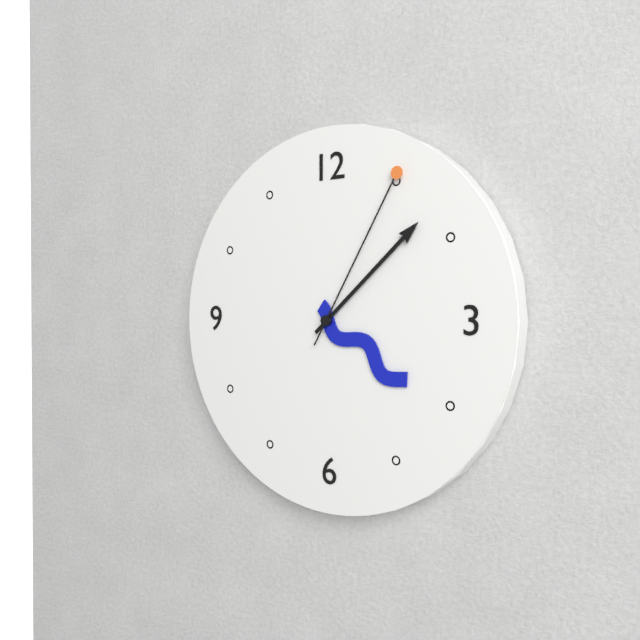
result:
{"hour": 4, "minute": 8, "second": 5}
